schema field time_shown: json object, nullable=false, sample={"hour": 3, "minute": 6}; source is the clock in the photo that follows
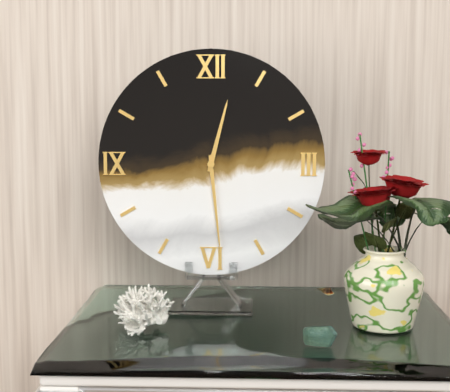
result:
{"hour": 12, "minute": 29}
